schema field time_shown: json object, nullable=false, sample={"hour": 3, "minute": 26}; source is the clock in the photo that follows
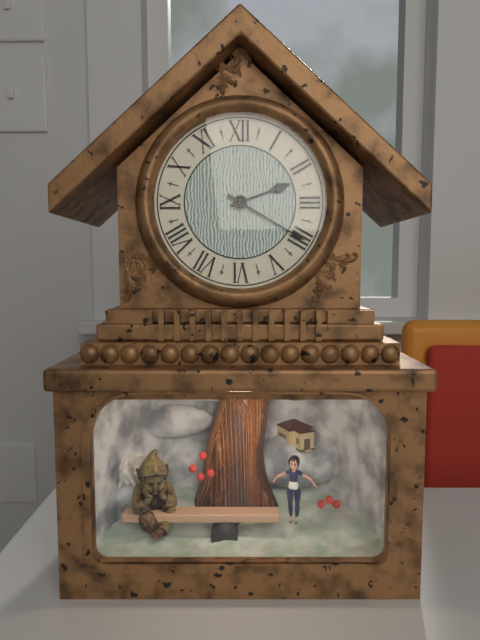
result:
{"hour": 2, "minute": 20}
